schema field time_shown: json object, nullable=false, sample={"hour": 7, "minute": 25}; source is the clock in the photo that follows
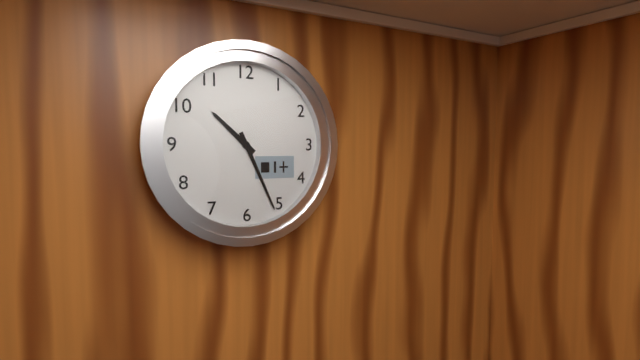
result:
{"hour": 10, "minute": 26}
